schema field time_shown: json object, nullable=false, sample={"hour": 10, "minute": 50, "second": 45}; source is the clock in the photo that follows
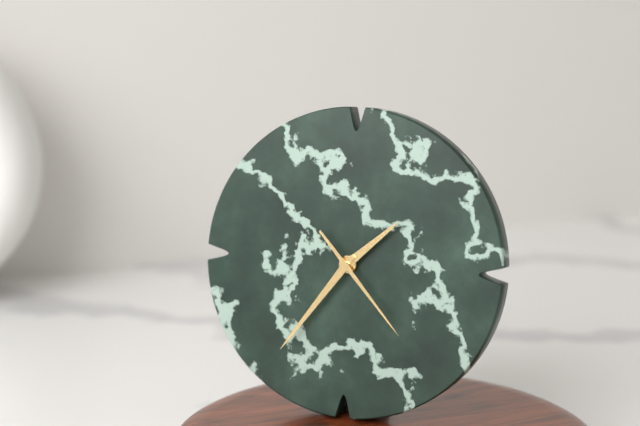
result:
{"hour": 1, "minute": 36, "second": 23}
